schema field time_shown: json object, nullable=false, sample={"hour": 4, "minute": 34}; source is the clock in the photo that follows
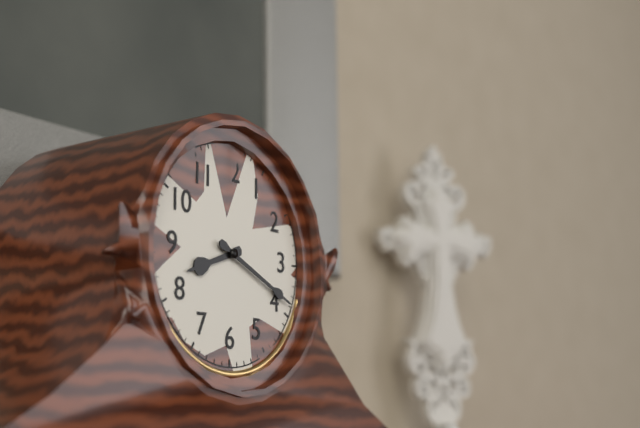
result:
{"hour": 8, "minute": 19}
